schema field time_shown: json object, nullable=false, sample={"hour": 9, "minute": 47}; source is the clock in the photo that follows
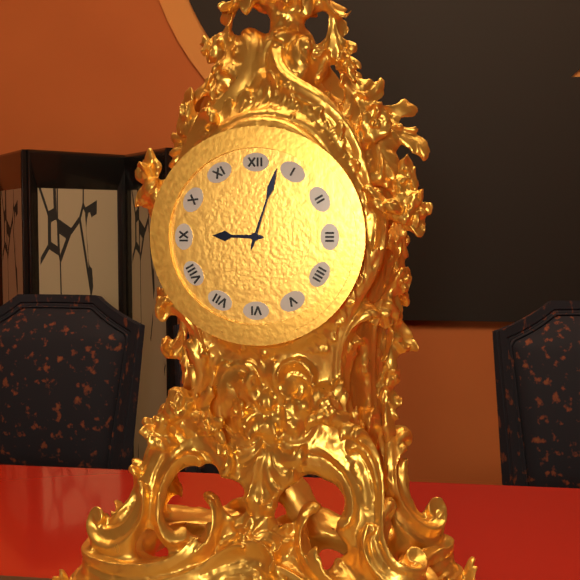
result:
{"hour": 9, "minute": 3}
